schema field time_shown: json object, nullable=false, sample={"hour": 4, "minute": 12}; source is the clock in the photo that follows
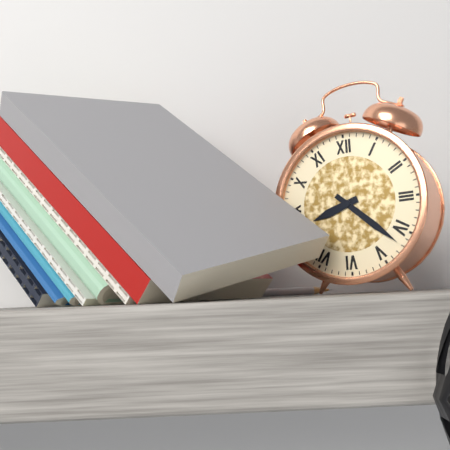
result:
{"hour": 8, "minute": 22}
